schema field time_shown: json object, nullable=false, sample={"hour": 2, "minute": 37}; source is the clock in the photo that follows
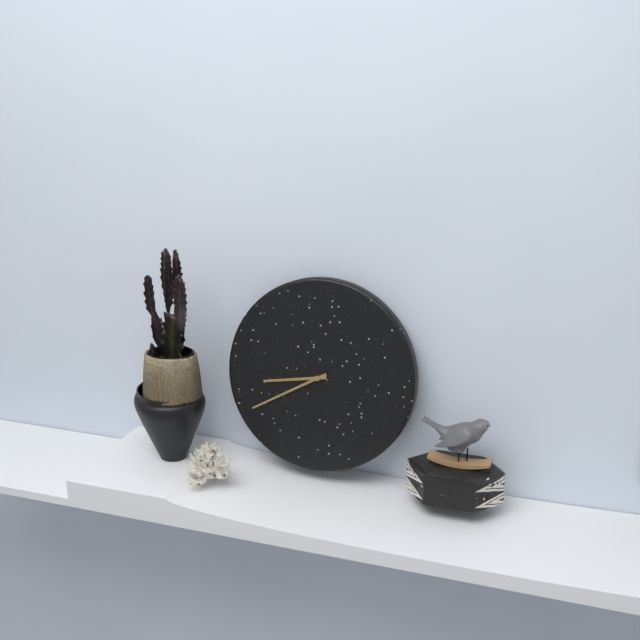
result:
{"hour": 8, "minute": 40}
